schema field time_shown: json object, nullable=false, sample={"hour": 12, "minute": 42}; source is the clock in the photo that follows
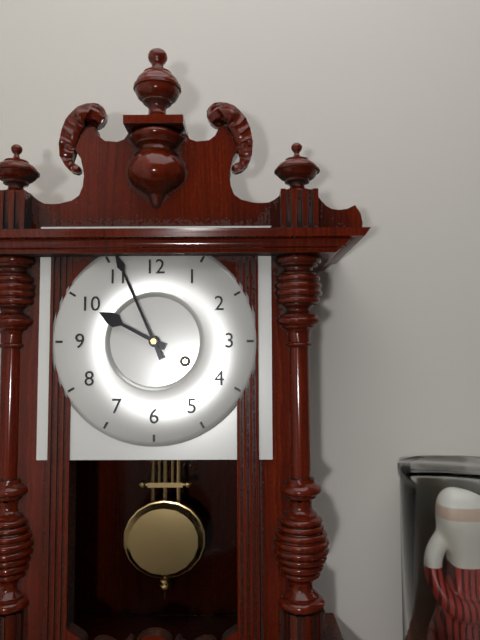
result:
{"hour": 9, "minute": 56}
